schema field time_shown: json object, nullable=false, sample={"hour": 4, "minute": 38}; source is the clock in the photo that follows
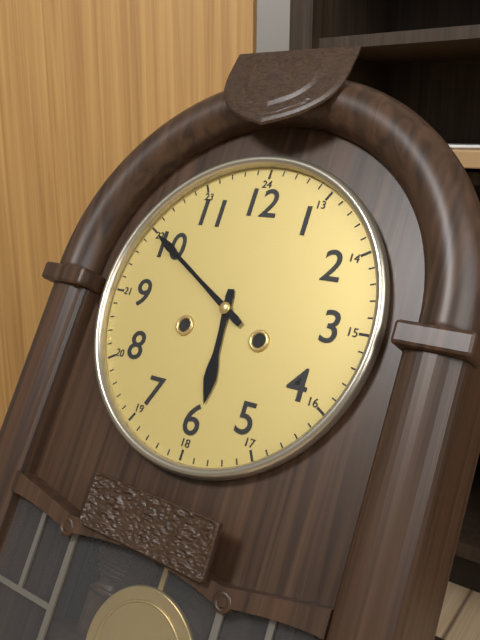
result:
{"hour": 5, "minute": 50}
